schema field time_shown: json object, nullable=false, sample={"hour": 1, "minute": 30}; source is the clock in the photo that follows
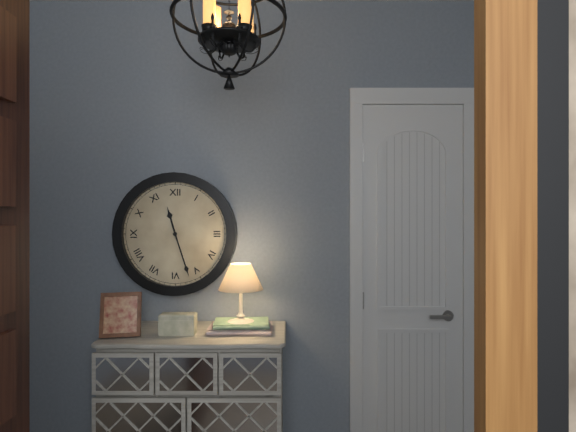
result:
{"hour": 11, "minute": 27}
